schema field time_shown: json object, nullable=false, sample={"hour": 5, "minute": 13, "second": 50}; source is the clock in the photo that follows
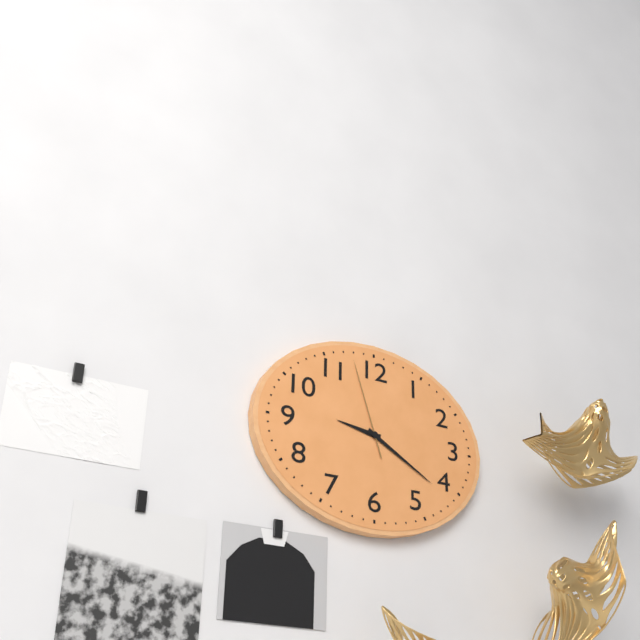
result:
{"hour": 9, "minute": 20, "second": 57}
